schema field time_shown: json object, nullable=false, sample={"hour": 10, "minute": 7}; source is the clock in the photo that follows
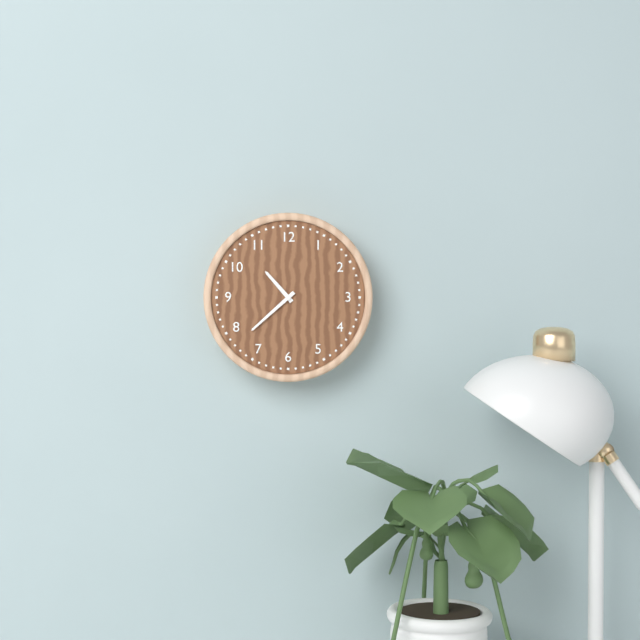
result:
{"hour": 10, "minute": 38}
